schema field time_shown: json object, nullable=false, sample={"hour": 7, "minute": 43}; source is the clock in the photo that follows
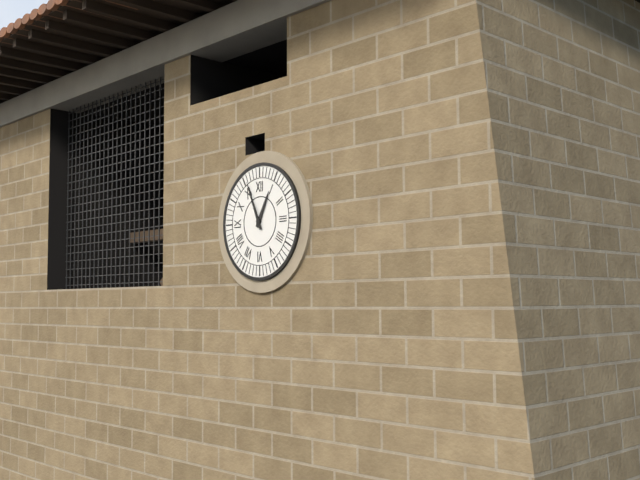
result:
{"hour": 12, "minute": 56}
